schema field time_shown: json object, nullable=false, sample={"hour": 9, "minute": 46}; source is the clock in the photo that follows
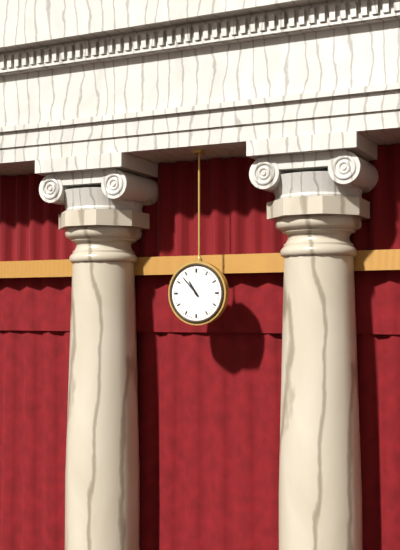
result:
{"hour": 10, "minute": 53}
